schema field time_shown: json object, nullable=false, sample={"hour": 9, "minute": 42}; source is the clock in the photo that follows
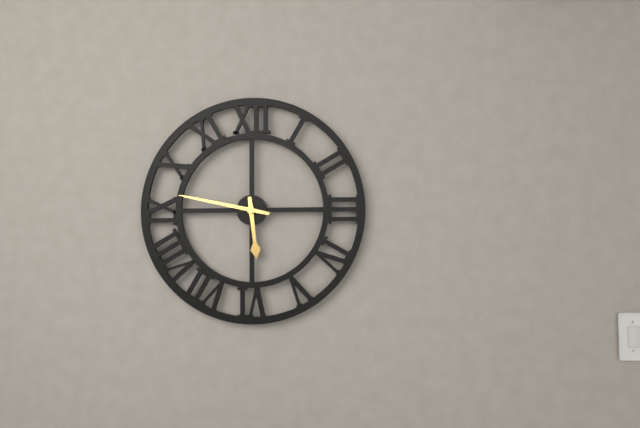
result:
{"hour": 5, "minute": 47}
